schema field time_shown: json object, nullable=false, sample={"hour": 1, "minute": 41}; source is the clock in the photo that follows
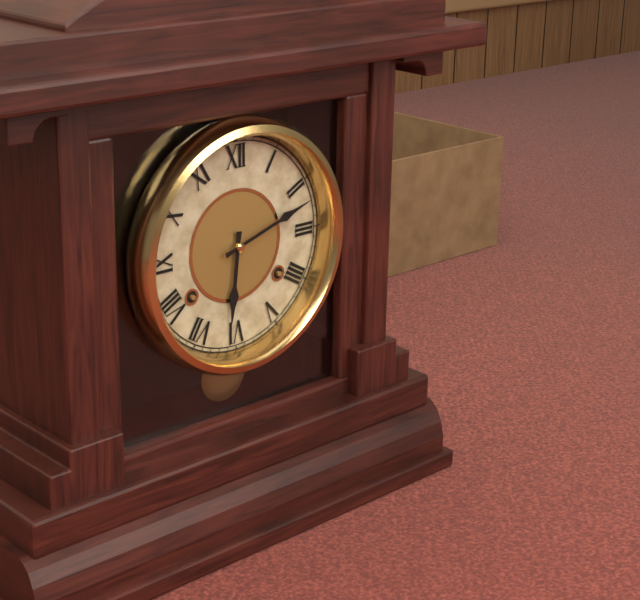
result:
{"hour": 6, "minute": 12}
